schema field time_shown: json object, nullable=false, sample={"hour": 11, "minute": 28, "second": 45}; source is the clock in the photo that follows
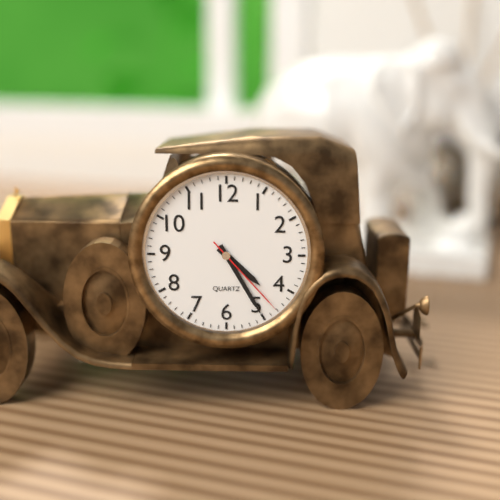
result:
{"hour": 4, "minute": 25, "second": 23}
